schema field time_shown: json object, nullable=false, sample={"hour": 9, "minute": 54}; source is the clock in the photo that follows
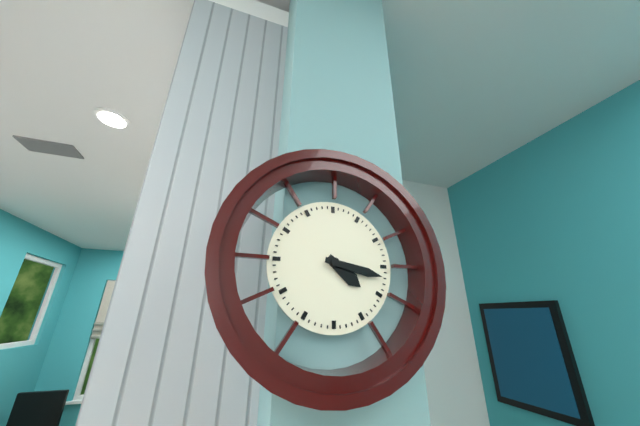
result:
{"hour": 4, "minute": 17}
